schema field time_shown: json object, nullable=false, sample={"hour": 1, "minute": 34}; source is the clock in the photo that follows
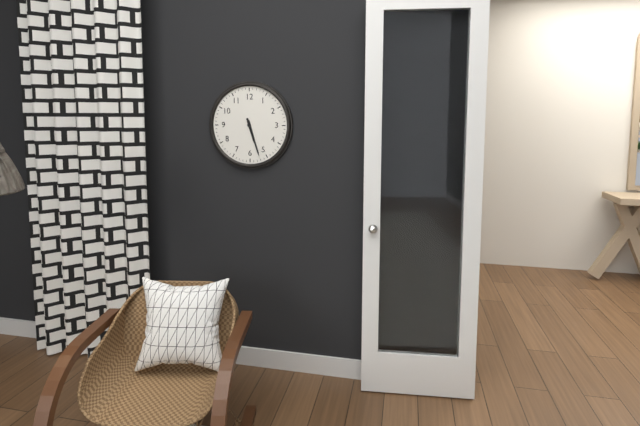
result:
{"hour": 5, "minute": 27}
